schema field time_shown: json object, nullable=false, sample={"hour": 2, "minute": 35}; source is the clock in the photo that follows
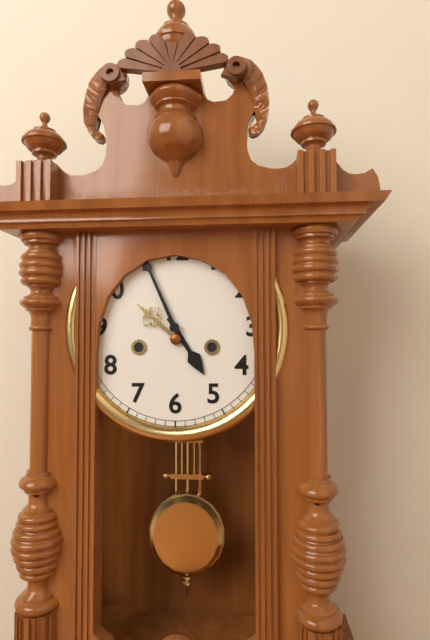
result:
{"hour": 4, "minute": 56}
